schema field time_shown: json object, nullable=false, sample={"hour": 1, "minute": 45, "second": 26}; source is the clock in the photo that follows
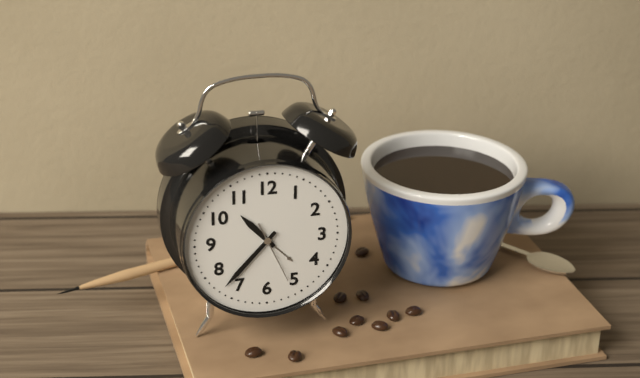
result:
{"hour": 10, "minute": 37, "second": 26}
